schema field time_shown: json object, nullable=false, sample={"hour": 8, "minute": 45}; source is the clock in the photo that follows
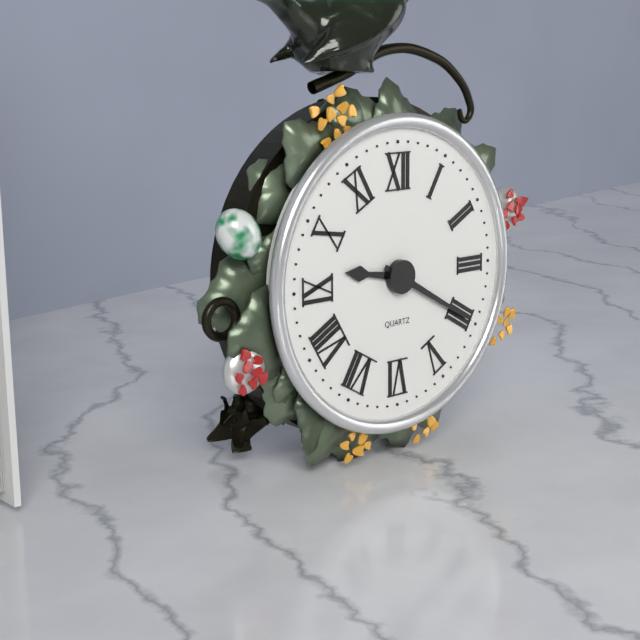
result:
{"hour": 9, "minute": 20}
